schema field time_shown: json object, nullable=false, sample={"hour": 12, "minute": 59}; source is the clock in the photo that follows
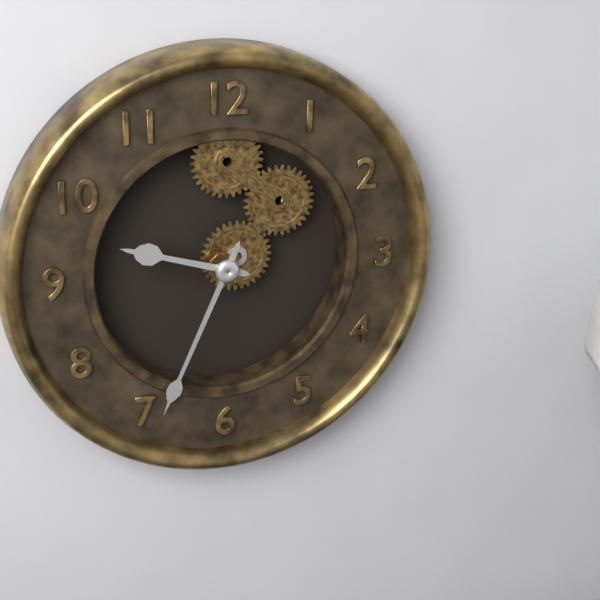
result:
{"hour": 9, "minute": 34}
